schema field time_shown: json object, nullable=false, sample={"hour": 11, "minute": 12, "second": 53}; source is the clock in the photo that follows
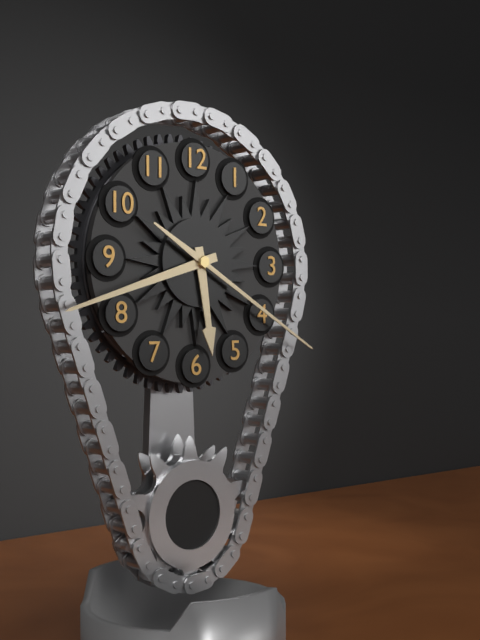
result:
{"hour": 5, "minute": 42, "second": 20}
